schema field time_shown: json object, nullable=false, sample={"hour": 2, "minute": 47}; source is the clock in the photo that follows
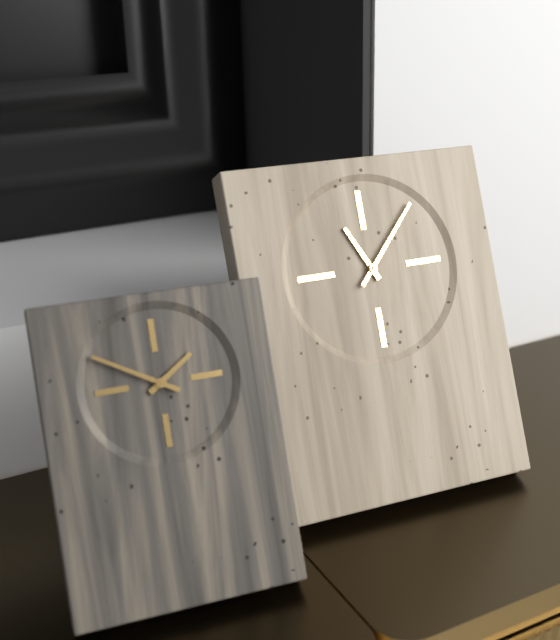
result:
{"hour": 11, "minute": 7}
